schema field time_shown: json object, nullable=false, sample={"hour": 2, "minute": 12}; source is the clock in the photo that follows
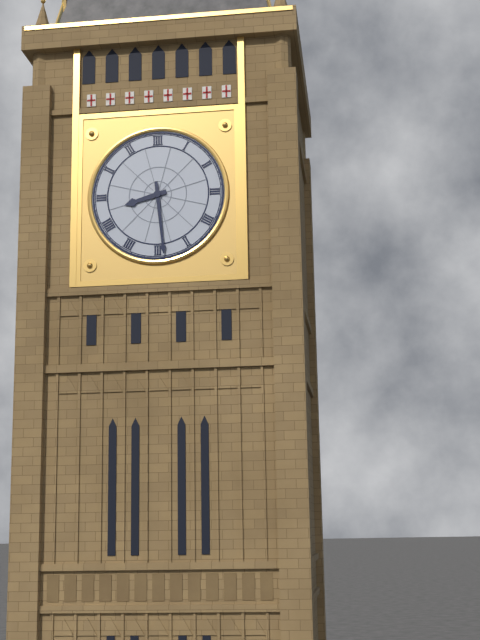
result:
{"hour": 8, "minute": 29}
